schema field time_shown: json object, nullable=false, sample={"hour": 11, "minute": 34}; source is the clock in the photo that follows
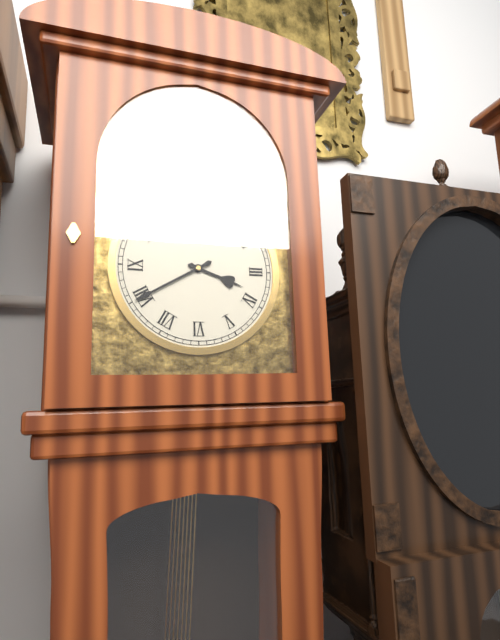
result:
{"hour": 3, "minute": 40}
